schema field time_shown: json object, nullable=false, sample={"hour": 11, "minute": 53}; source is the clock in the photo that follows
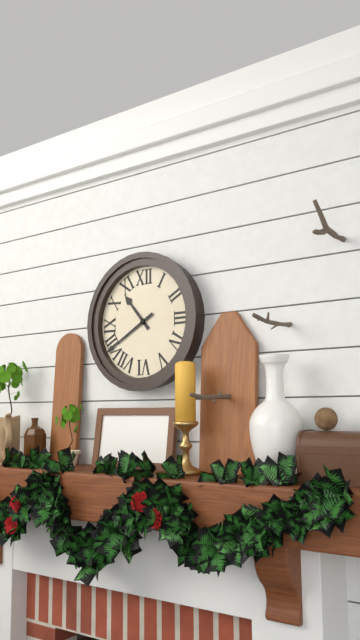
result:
{"hour": 10, "minute": 40}
